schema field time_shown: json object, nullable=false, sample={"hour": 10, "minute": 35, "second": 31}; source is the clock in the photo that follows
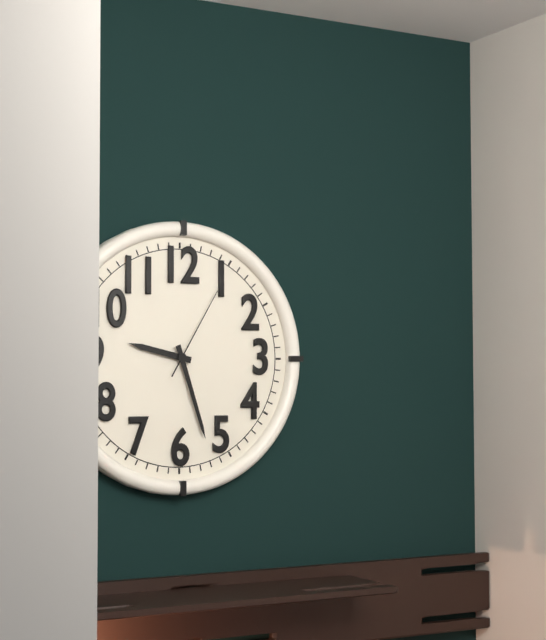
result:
{"hour": 9, "minute": 27, "second": 5}
